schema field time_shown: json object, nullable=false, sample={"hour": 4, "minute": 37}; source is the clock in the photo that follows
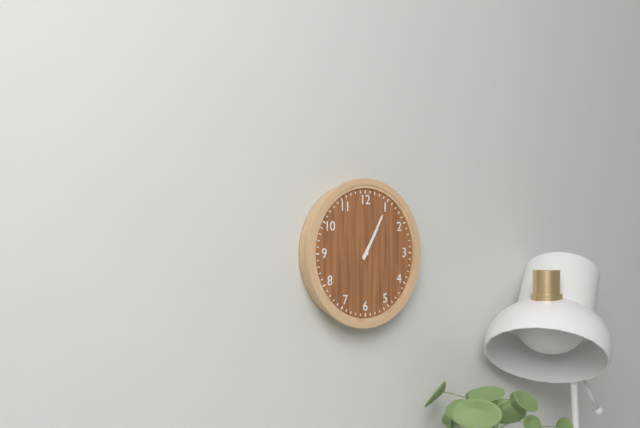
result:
{"hour": 1, "minute": 5}
